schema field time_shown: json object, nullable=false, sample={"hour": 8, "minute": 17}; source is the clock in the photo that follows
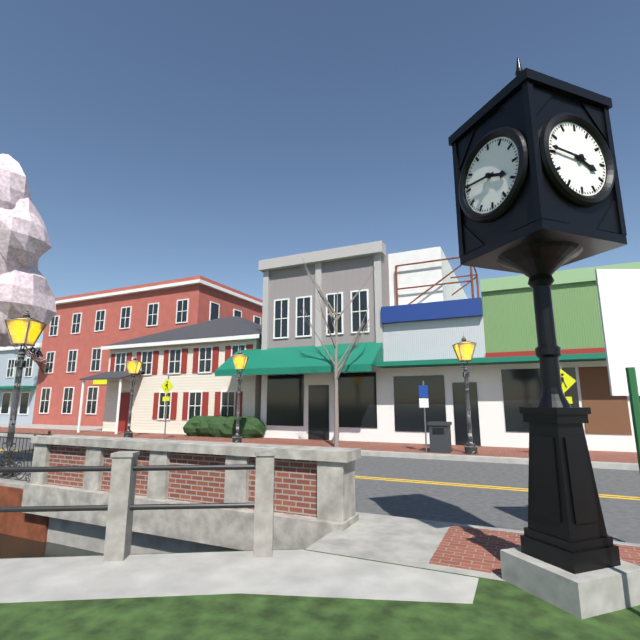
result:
{"hour": 3, "minute": 46}
